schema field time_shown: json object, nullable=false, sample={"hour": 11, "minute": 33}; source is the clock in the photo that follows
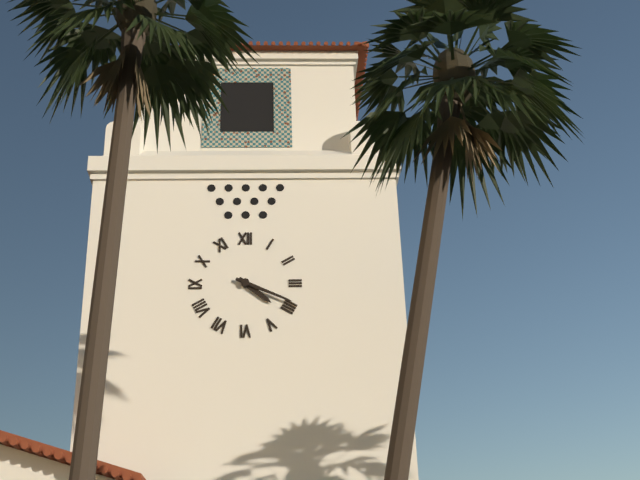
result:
{"hour": 4, "minute": 19}
